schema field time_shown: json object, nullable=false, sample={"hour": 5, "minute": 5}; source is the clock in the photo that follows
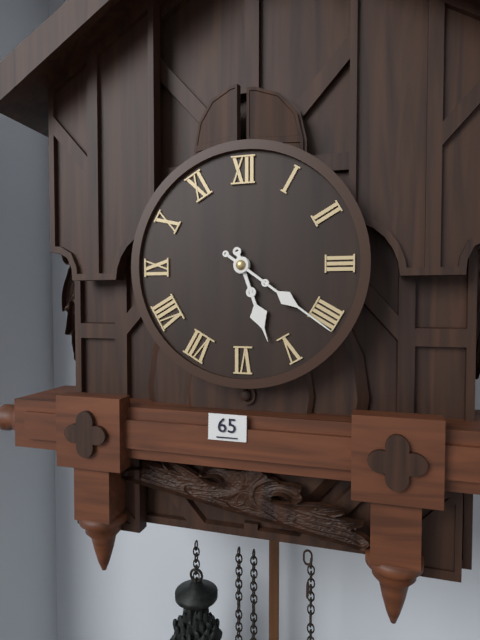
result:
{"hour": 5, "minute": 21}
